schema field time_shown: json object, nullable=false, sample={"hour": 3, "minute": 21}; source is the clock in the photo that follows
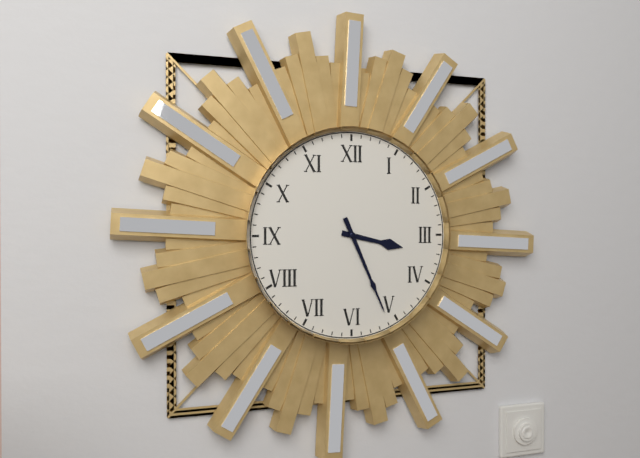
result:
{"hour": 3, "minute": 26}
